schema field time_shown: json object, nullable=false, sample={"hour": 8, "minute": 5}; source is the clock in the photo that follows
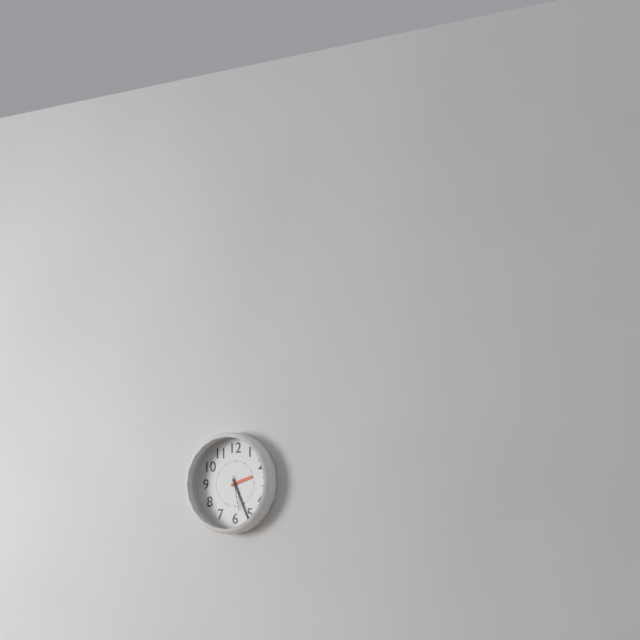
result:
{"hour": 2, "minute": 26}
